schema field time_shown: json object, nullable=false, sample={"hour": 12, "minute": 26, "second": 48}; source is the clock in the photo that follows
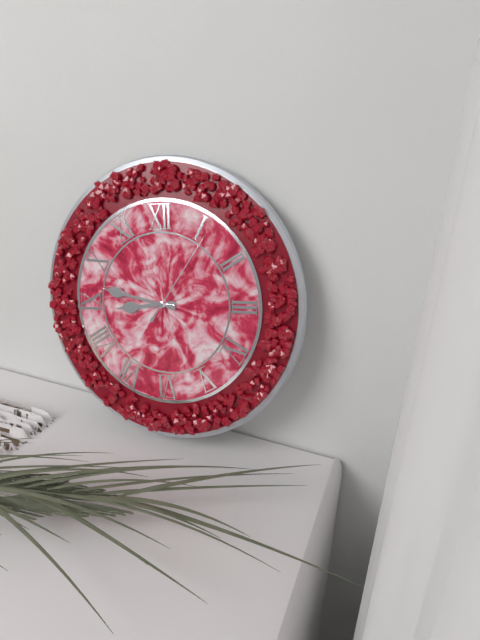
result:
{"hour": 8, "minute": 47, "second": 6}
